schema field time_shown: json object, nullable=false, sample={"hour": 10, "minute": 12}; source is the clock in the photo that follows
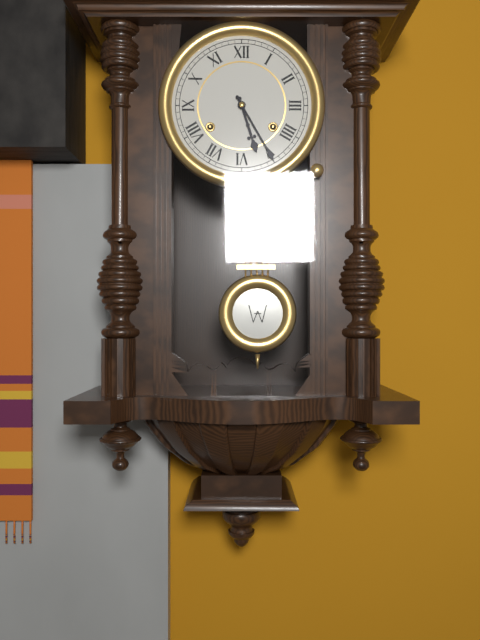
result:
{"hour": 5, "minute": 25}
